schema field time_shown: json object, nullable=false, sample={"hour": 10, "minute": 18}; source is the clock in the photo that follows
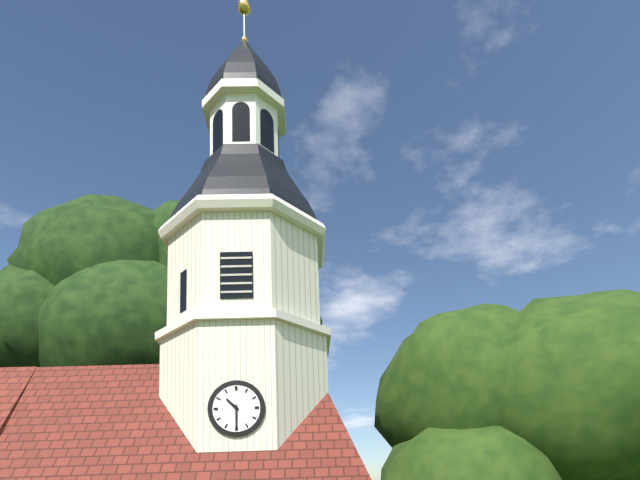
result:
{"hour": 10, "minute": 30}
